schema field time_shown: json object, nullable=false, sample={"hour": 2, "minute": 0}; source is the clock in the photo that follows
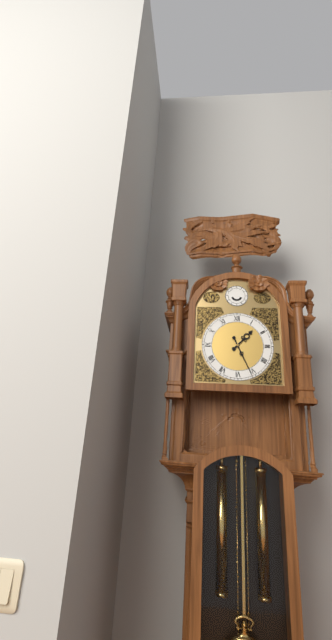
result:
{"hour": 1, "minute": 26}
